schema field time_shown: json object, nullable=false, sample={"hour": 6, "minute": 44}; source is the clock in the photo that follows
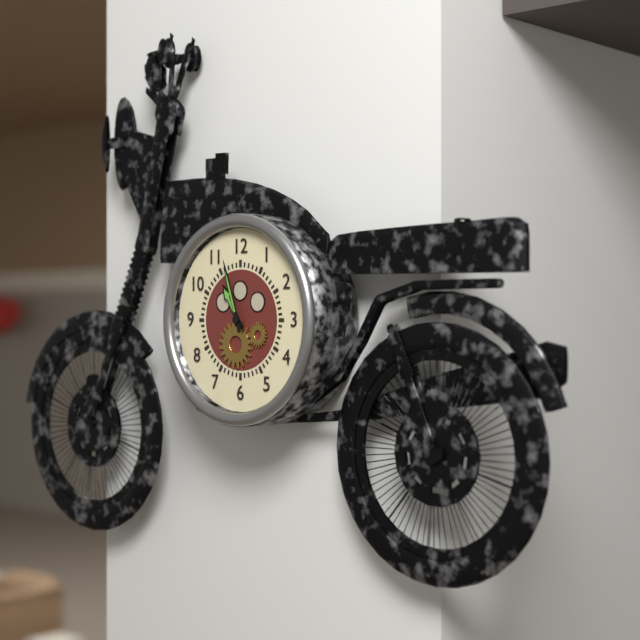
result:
{"hour": 10, "minute": 57}
